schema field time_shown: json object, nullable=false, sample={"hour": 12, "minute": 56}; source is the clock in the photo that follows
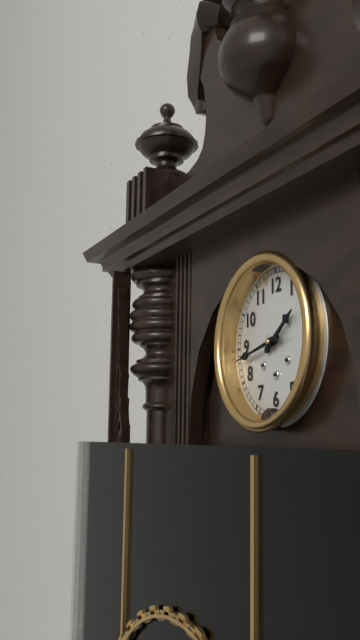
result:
{"hour": 1, "minute": 43}
